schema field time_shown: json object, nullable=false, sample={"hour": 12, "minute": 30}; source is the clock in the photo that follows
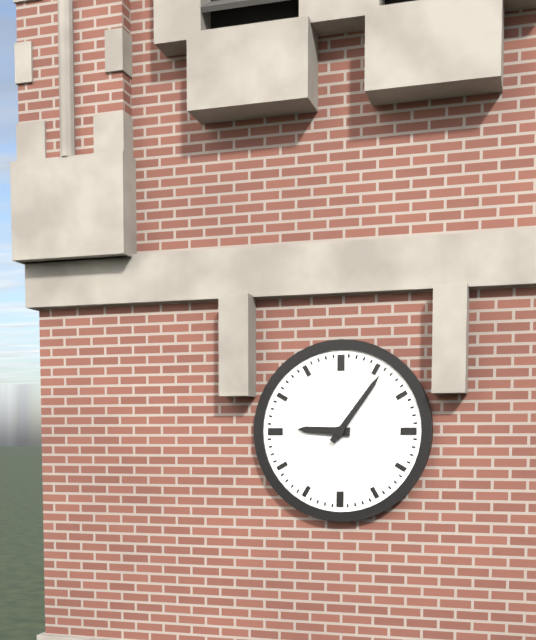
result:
{"hour": 9, "minute": 6}
